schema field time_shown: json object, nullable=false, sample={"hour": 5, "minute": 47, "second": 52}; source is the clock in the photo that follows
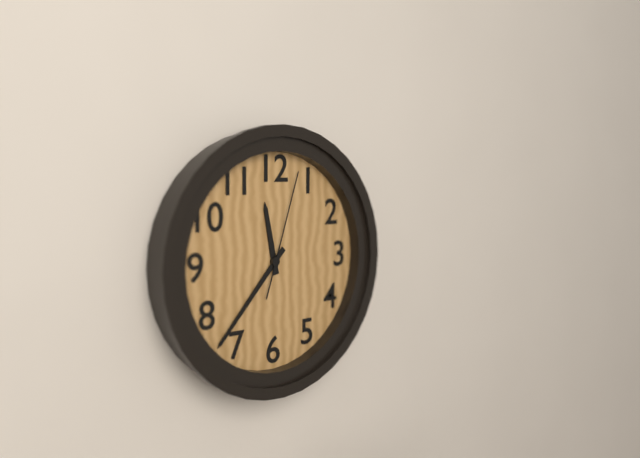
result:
{"hour": 11, "minute": 37, "second": 3}
